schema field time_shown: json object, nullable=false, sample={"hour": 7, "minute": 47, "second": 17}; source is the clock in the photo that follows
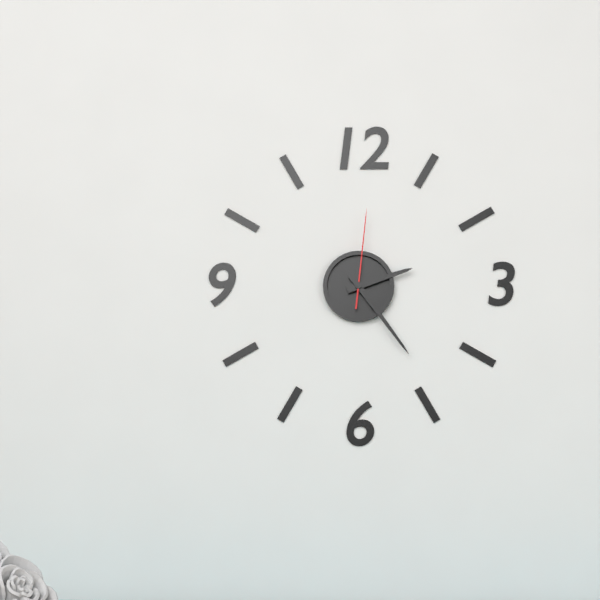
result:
{"hour": 2, "minute": 24, "second": 1}
